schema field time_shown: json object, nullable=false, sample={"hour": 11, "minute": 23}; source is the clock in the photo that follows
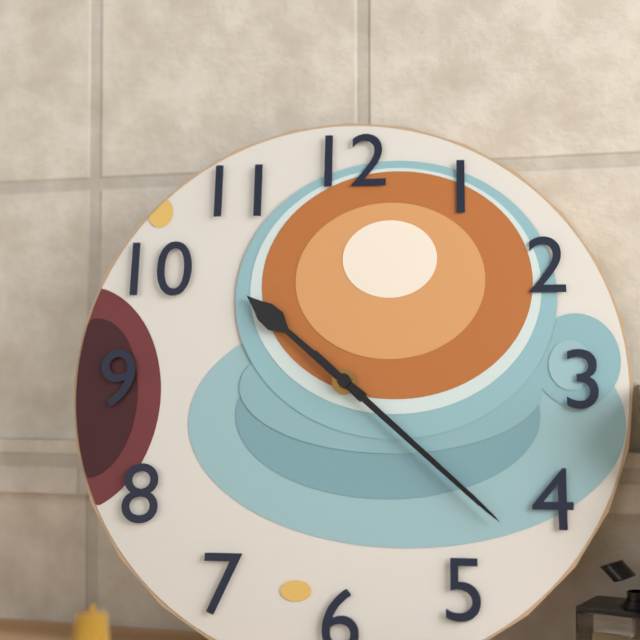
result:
{"hour": 10, "minute": 22}
